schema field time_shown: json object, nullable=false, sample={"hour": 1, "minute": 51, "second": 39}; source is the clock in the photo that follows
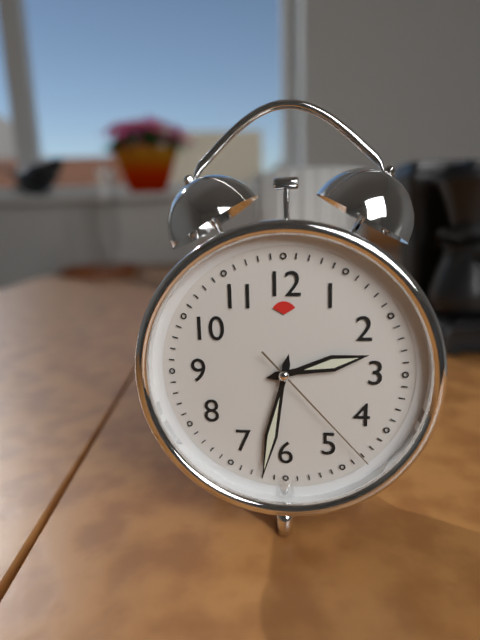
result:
{"hour": 2, "minute": 32, "second": 23}
